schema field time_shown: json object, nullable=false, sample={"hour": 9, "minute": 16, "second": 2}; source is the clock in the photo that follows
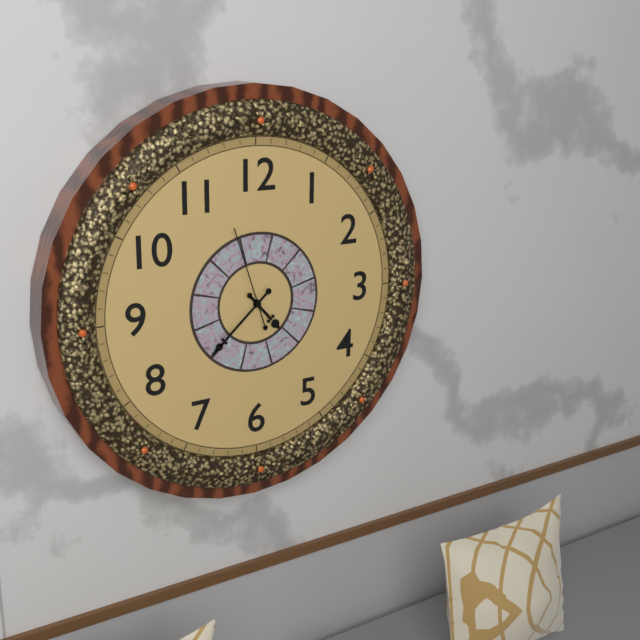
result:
{"hour": 4, "minute": 38, "second": 57}
